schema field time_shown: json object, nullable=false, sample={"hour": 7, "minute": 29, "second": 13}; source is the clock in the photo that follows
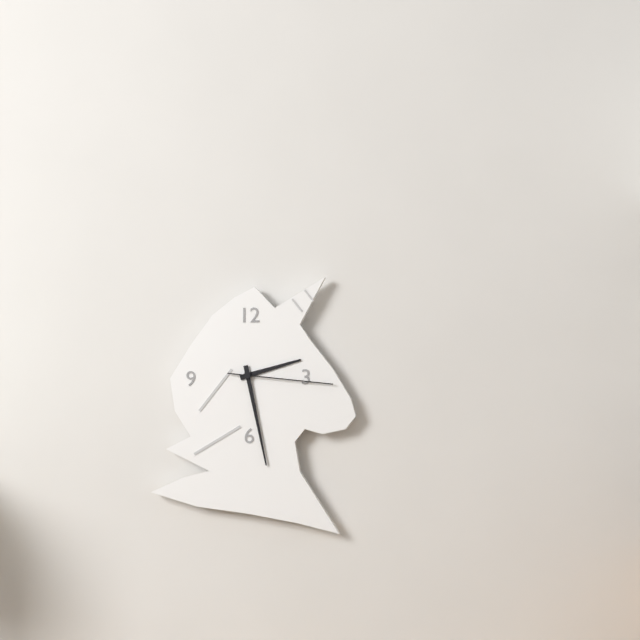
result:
{"hour": 2, "minute": 28, "second": 16}
